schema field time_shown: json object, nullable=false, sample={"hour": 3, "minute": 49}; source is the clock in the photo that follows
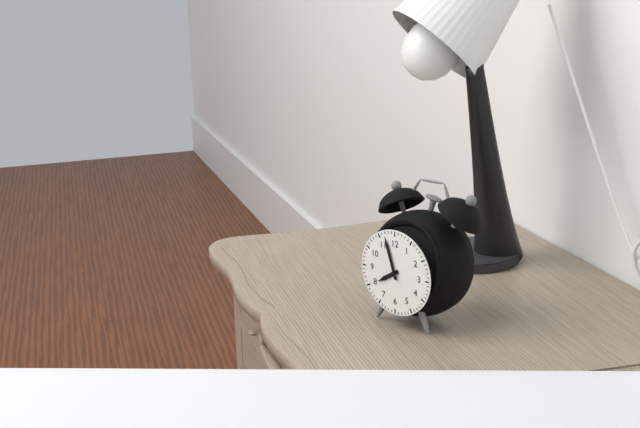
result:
{"hour": 7, "minute": 57}
